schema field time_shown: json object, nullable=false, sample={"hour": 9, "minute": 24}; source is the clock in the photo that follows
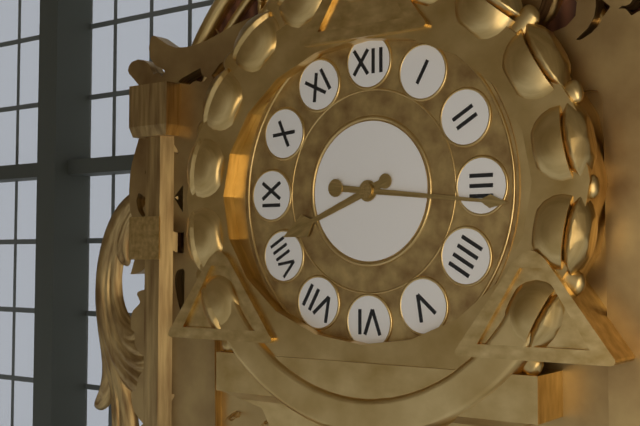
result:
{"hour": 8, "minute": 16}
